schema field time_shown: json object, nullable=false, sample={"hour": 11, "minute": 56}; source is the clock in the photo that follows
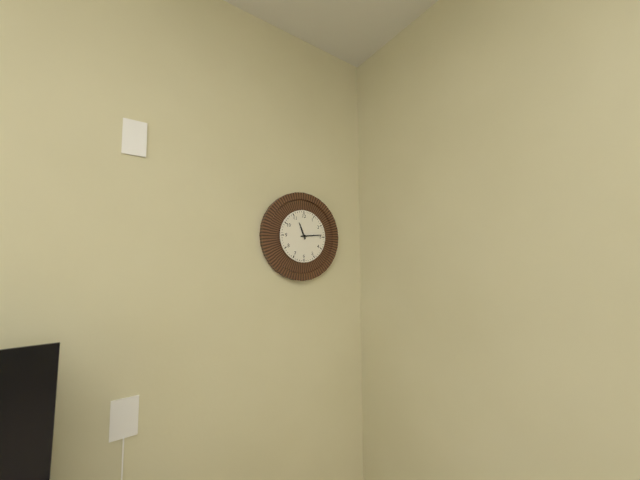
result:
{"hour": 11, "minute": 14}
